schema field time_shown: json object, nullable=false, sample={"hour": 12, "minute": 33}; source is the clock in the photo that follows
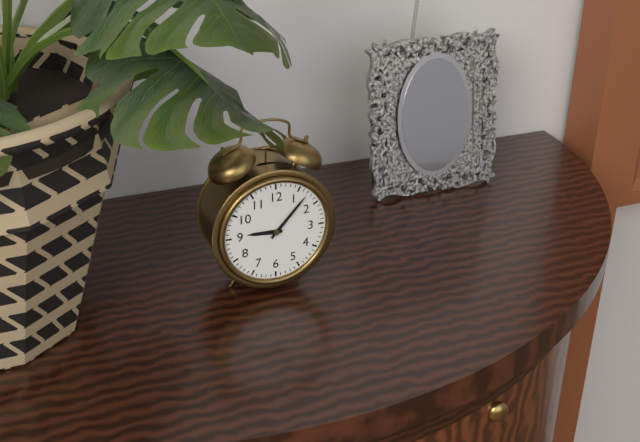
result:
{"hour": 9, "minute": 7}
